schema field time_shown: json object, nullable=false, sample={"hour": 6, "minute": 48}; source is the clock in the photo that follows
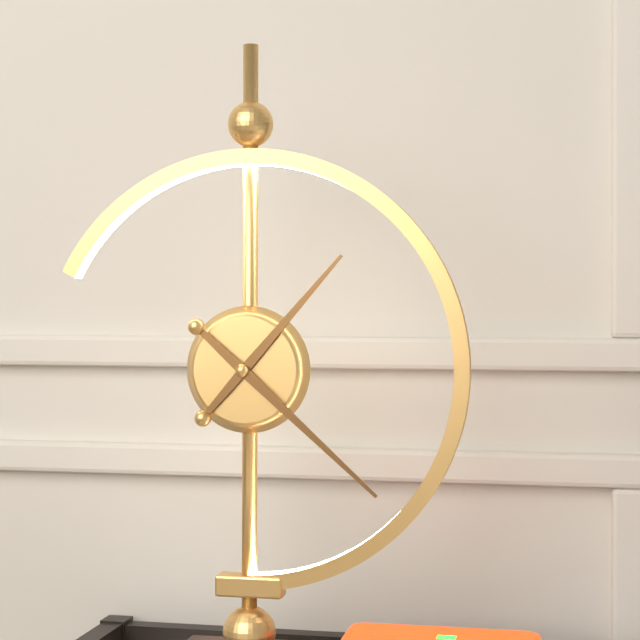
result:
{"hour": 1, "minute": 22}
